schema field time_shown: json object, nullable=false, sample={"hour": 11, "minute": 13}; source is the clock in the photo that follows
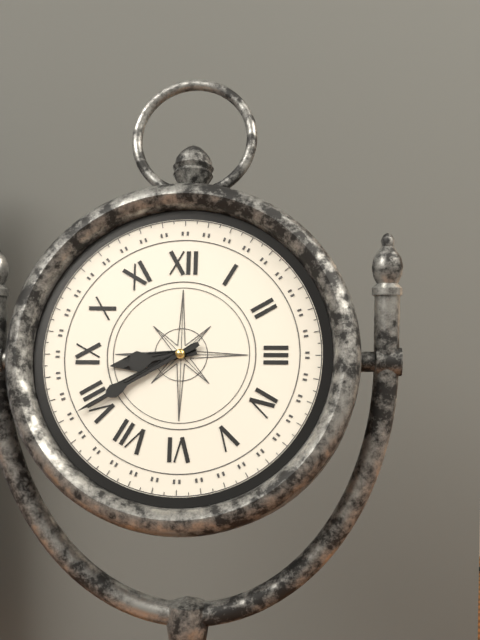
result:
{"hour": 8, "minute": 40}
